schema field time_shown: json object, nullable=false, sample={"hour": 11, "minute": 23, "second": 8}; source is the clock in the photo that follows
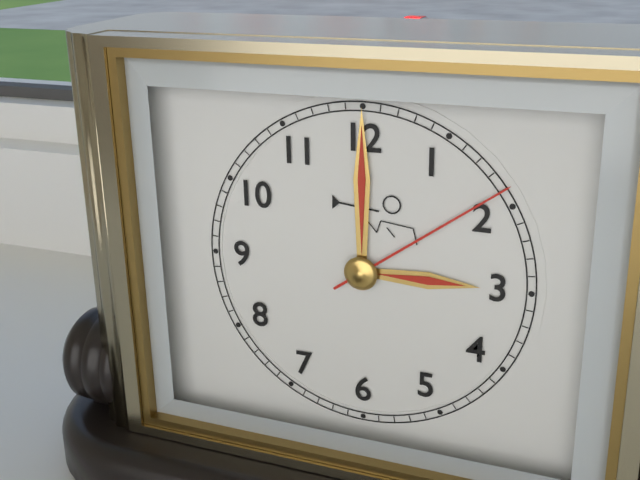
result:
{"hour": 3, "minute": 0, "second": 9}
